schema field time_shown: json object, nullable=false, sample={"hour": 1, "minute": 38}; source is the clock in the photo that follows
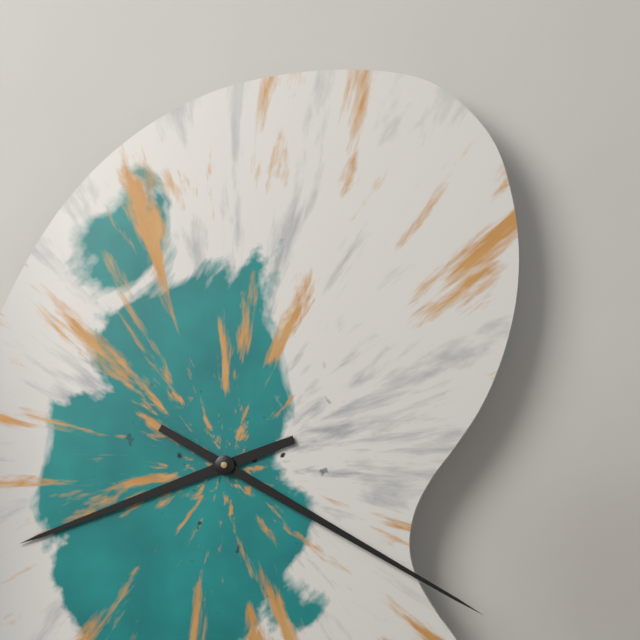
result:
{"hour": 8, "minute": 20}
